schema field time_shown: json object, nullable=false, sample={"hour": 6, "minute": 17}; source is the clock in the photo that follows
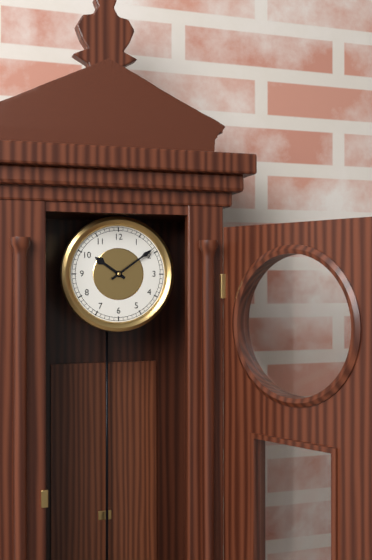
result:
{"hour": 10, "minute": 9}
